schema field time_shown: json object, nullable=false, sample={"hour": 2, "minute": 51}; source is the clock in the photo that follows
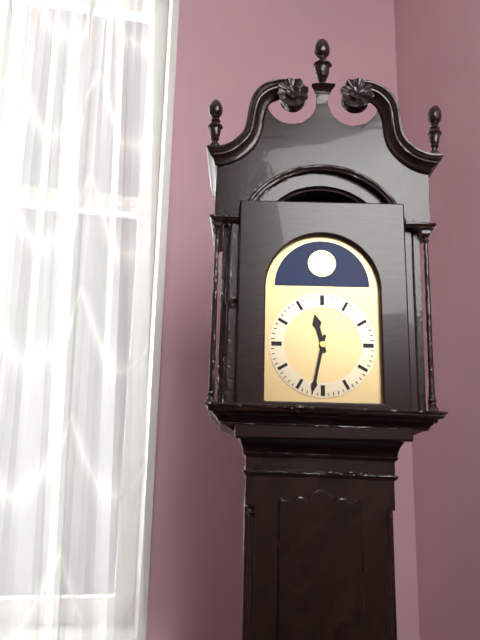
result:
{"hour": 11, "minute": 32}
